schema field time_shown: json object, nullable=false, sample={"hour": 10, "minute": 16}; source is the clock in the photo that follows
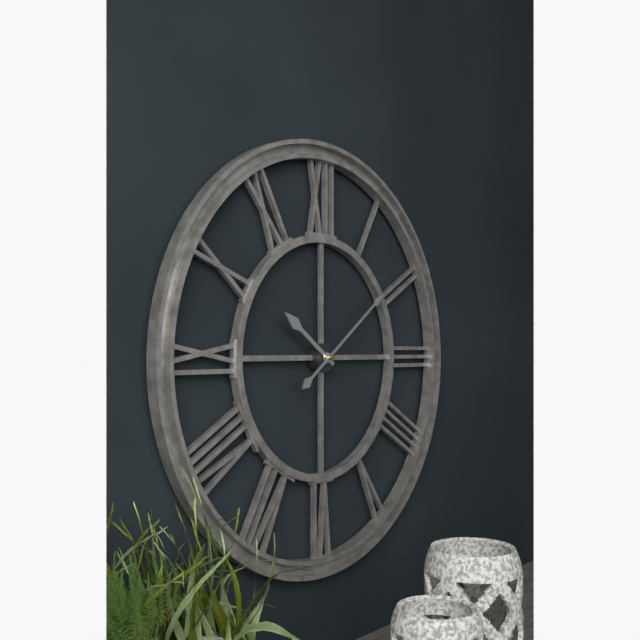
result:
{"hour": 10, "minute": 9}
